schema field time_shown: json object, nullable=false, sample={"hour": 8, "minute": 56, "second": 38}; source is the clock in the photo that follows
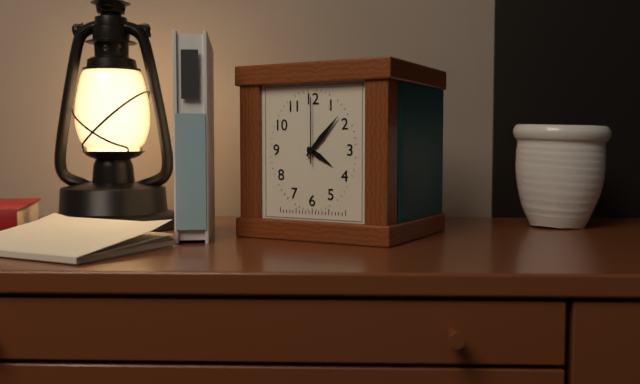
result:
{"hour": 4, "minute": 7, "second": 0}
